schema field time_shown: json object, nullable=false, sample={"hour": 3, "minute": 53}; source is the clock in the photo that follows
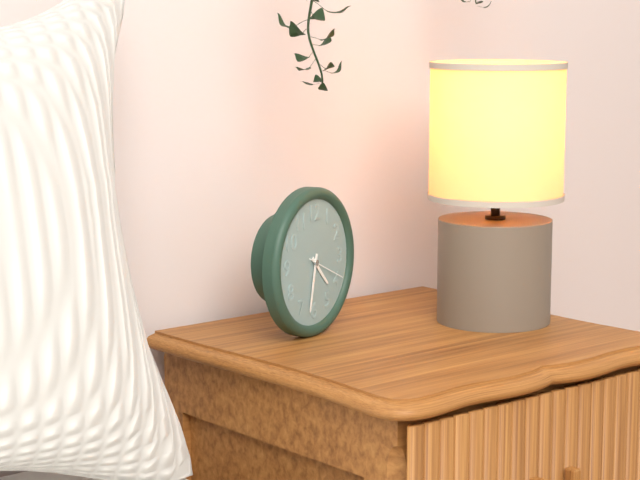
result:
{"hour": 4, "minute": 32}
